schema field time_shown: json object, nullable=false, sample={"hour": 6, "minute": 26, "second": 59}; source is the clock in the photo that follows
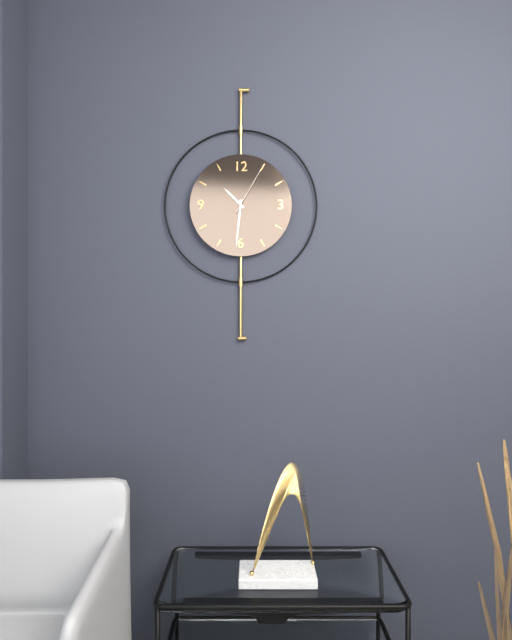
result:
{"hour": 10, "minute": 31, "second": 5}
